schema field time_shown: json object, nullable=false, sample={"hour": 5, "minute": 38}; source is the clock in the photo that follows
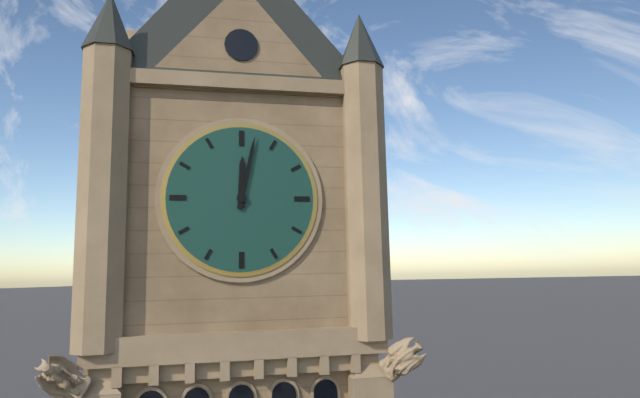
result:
{"hour": 12, "minute": 2}
